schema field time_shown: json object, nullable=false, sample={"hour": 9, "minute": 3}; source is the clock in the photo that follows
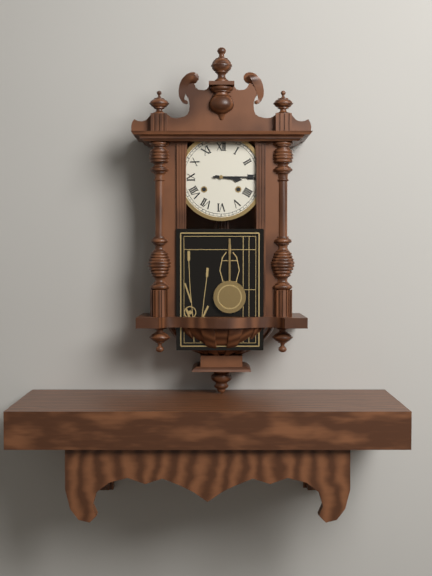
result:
{"hour": 3, "minute": 15}
